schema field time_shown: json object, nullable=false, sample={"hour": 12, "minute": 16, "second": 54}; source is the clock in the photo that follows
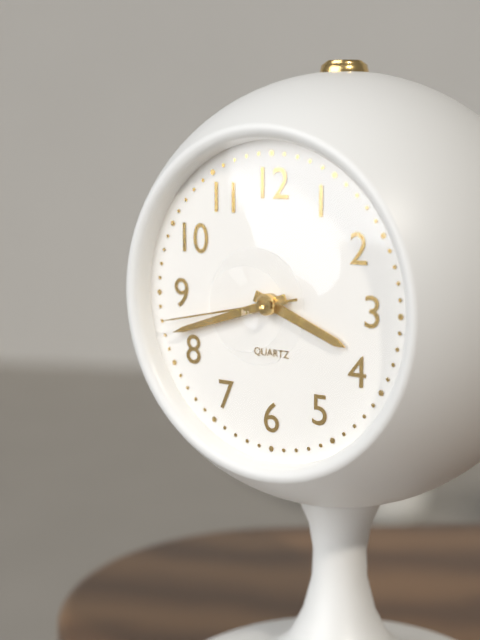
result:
{"hour": 3, "minute": 42, "second": 43}
